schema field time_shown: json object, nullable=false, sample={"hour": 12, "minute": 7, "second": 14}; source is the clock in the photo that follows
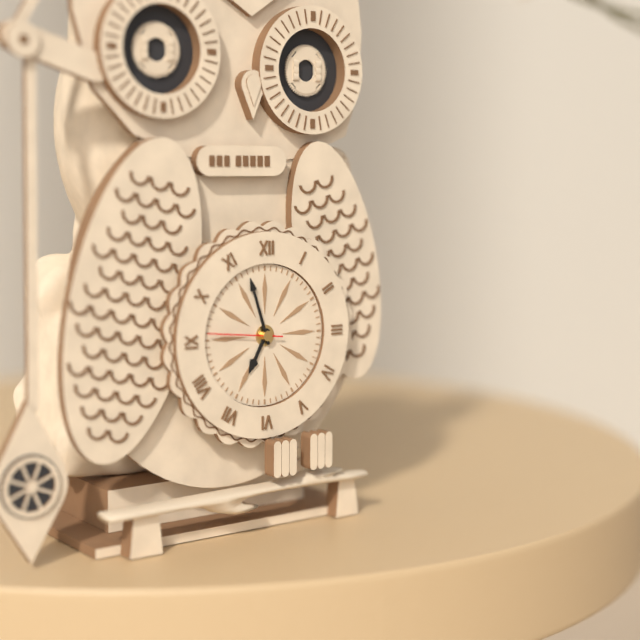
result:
{"hour": 6, "minute": 57, "second": 46}
